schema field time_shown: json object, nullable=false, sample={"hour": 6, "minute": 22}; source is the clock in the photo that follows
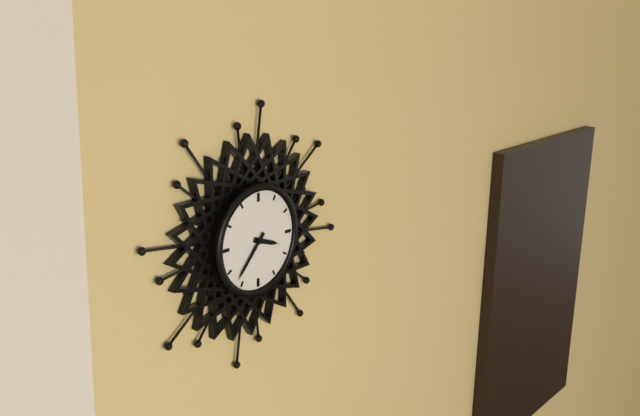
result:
{"hour": 3, "minute": 37}
